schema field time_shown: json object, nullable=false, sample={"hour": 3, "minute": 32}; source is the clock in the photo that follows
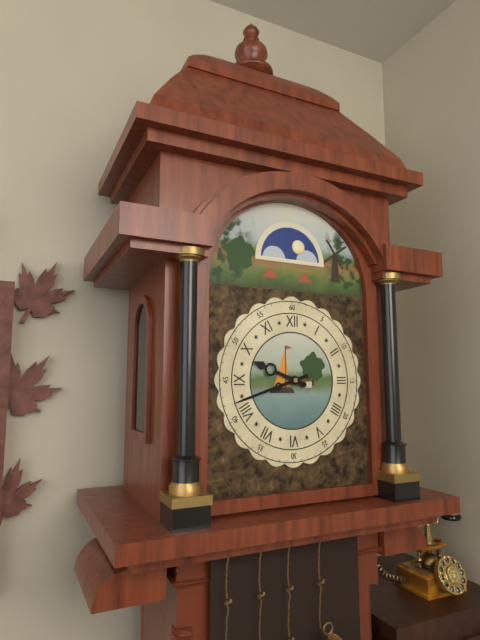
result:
{"hour": 9, "minute": 42}
